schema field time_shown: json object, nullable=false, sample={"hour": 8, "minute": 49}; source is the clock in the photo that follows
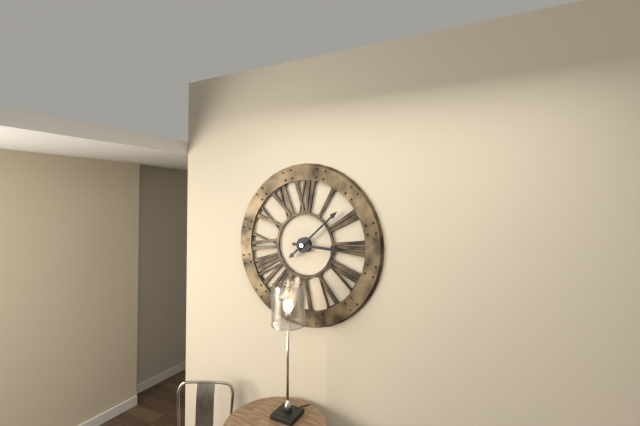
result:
{"hour": 3, "minute": 8}
